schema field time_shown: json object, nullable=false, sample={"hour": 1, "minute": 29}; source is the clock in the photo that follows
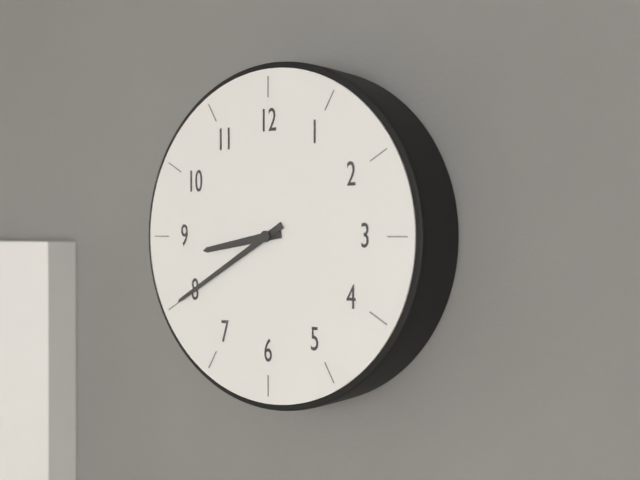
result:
{"hour": 8, "minute": 40}
